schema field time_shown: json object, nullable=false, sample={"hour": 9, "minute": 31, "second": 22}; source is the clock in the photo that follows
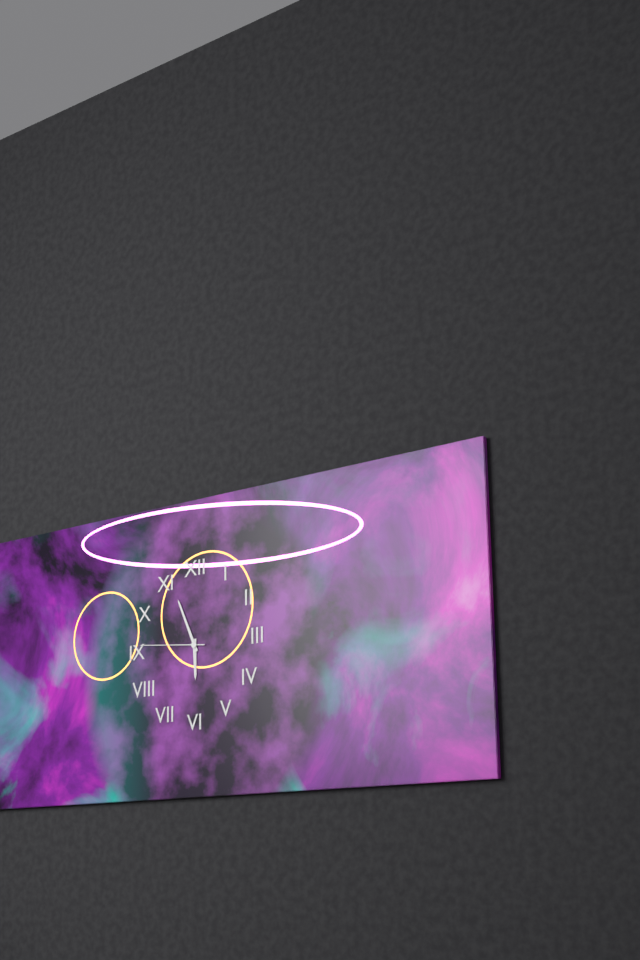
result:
{"hour": 5, "minute": 56, "second": 46}
